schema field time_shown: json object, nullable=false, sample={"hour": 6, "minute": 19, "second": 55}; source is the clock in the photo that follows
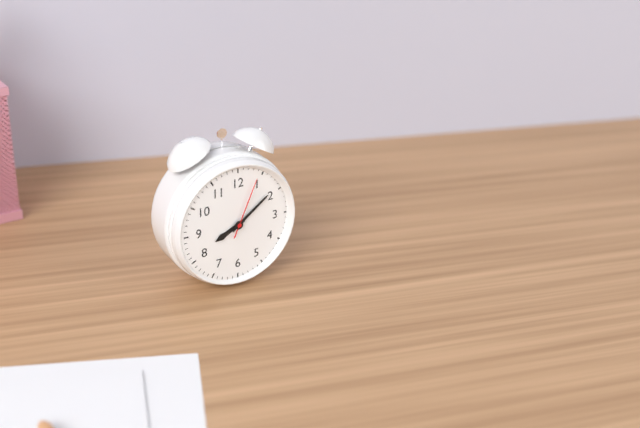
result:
{"hour": 8, "minute": 9, "second": 4}
